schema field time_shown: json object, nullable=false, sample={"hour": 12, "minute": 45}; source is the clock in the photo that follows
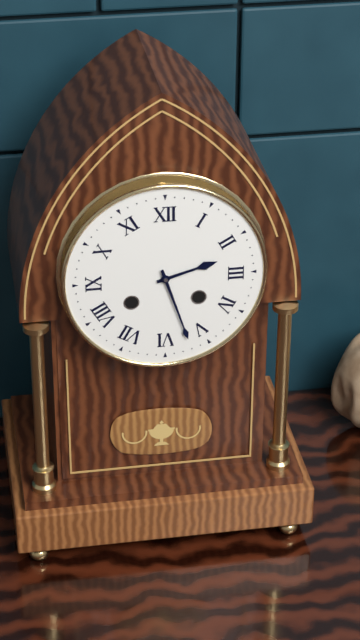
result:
{"hour": 2, "minute": 27}
